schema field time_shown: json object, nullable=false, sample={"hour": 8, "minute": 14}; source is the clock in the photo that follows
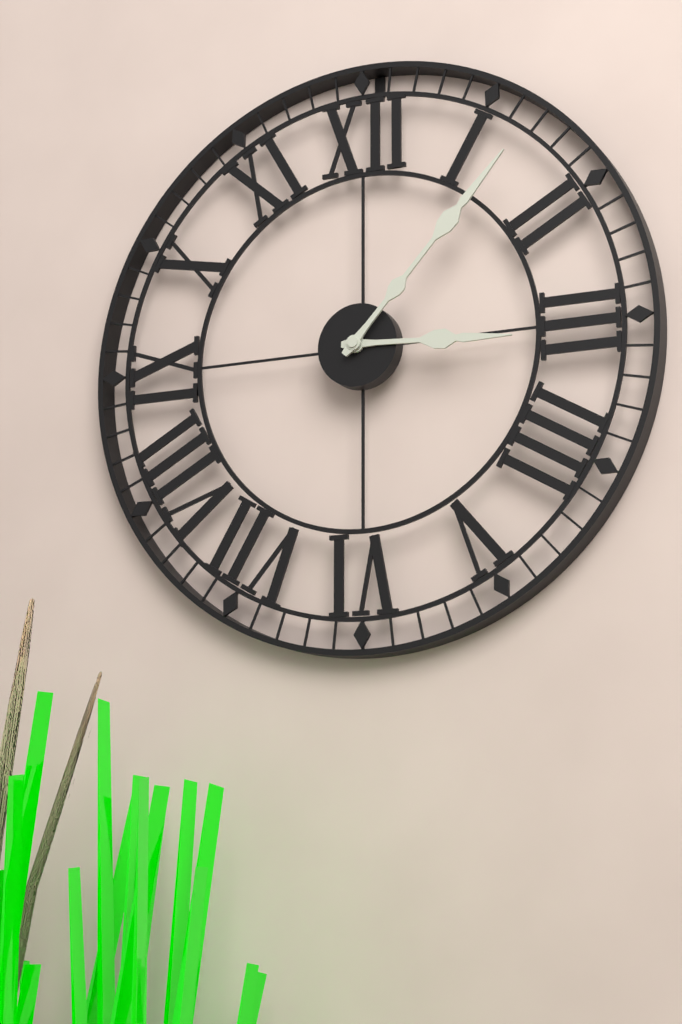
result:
{"hour": 3, "minute": 7}
